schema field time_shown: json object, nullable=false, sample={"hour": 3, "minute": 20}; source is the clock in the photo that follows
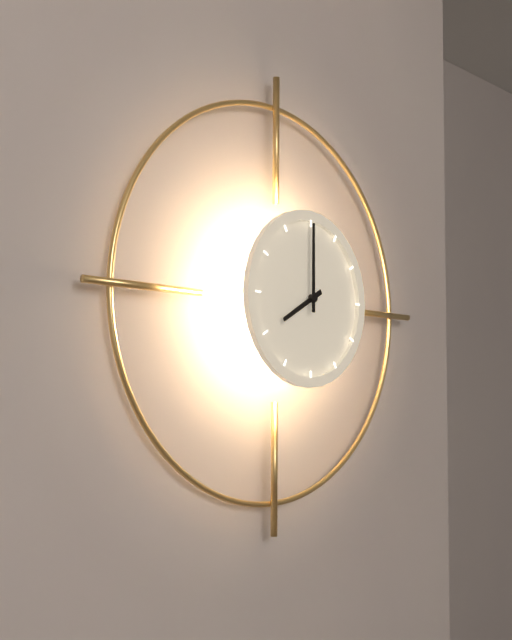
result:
{"hour": 8, "minute": 0}
